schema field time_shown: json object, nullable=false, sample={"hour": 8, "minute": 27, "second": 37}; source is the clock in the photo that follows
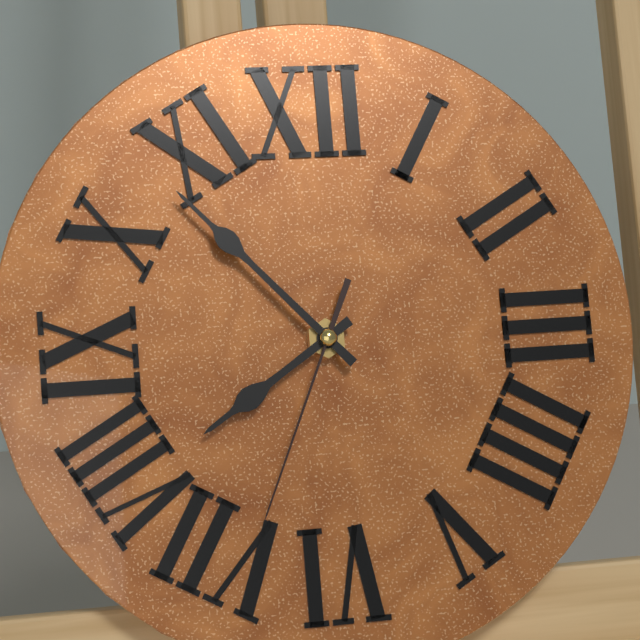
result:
{"hour": 7, "minute": 53, "second": 34}
